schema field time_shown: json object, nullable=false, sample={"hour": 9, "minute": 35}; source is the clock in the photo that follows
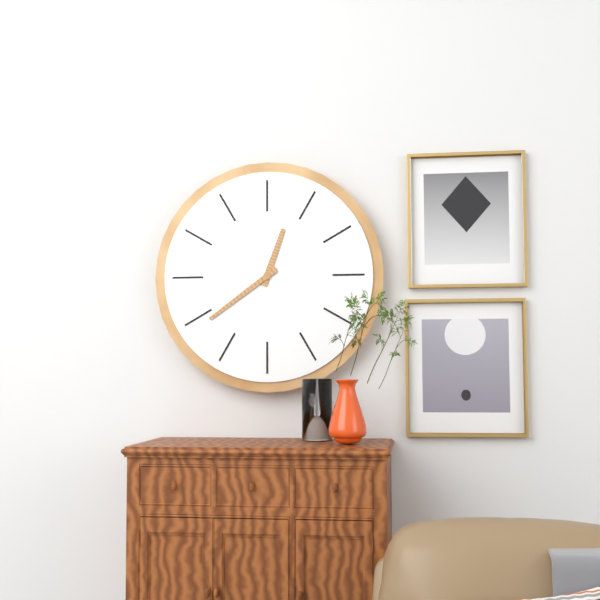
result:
{"hour": 12, "minute": 39}
